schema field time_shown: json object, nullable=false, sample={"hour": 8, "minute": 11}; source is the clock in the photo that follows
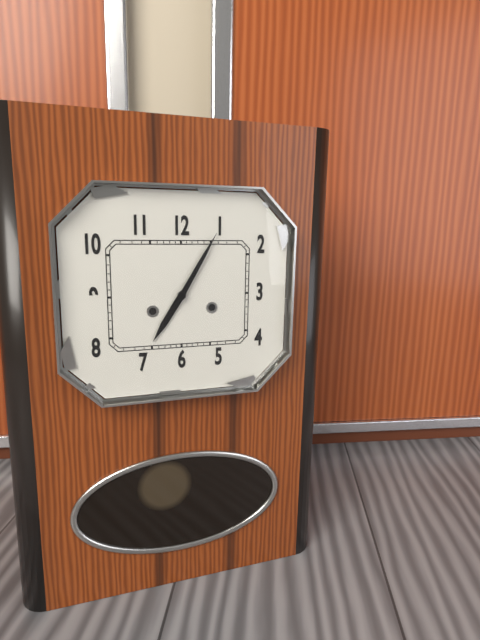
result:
{"hour": 7, "minute": 5}
